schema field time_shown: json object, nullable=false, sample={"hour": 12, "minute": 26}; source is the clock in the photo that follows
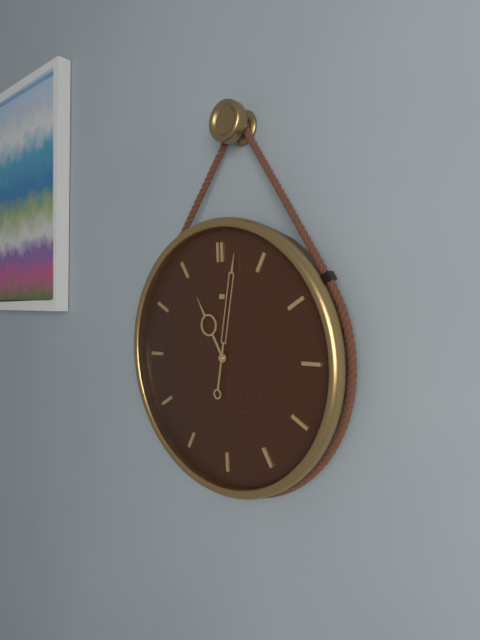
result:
{"hour": 11, "minute": 2}
